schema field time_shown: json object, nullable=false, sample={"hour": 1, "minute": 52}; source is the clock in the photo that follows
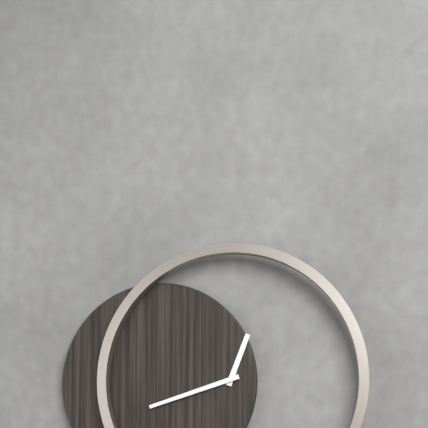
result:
{"hour": 12, "minute": 42}
